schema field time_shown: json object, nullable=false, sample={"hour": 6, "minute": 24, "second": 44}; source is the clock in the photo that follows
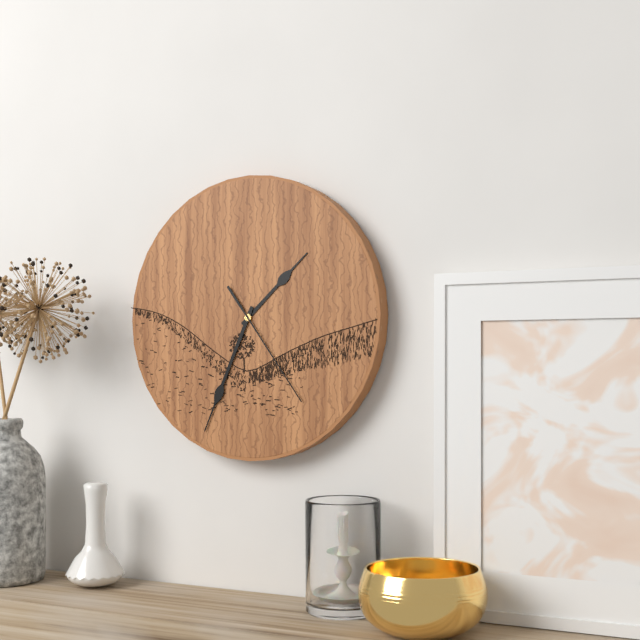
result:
{"hour": 1, "minute": 34, "second": 24}
